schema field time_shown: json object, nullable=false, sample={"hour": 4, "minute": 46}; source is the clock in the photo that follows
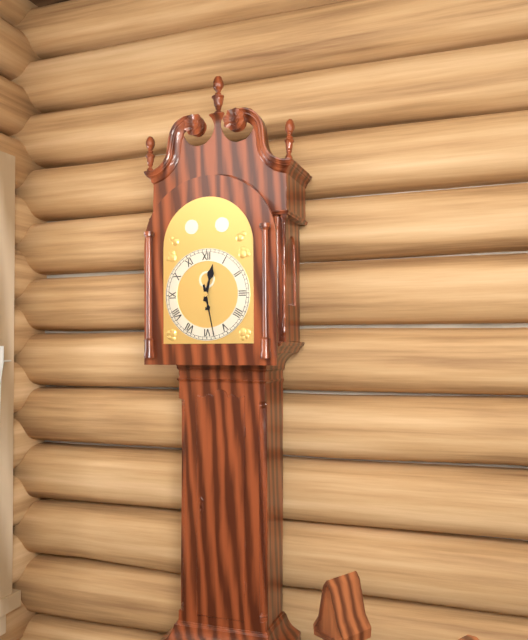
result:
{"hour": 12, "minute": 28}
